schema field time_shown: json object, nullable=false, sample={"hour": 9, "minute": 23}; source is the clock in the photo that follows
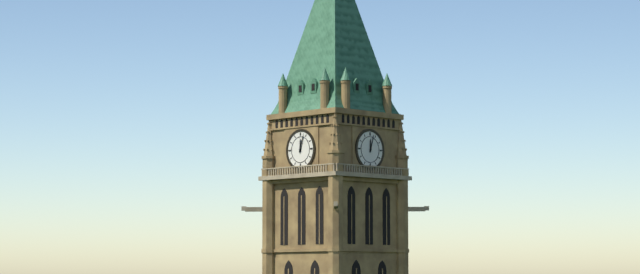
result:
{"hour": 12, "minute": 3}
